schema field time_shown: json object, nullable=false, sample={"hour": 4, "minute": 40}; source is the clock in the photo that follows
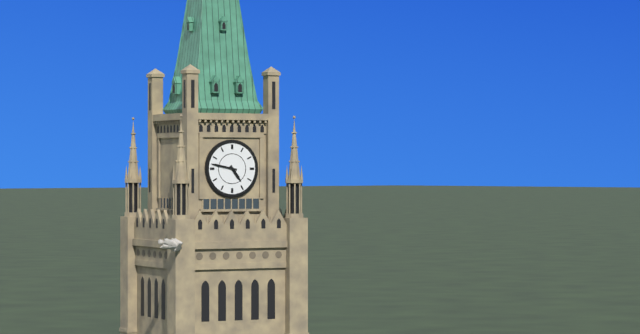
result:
{"hour": 4, "minute": 47}
